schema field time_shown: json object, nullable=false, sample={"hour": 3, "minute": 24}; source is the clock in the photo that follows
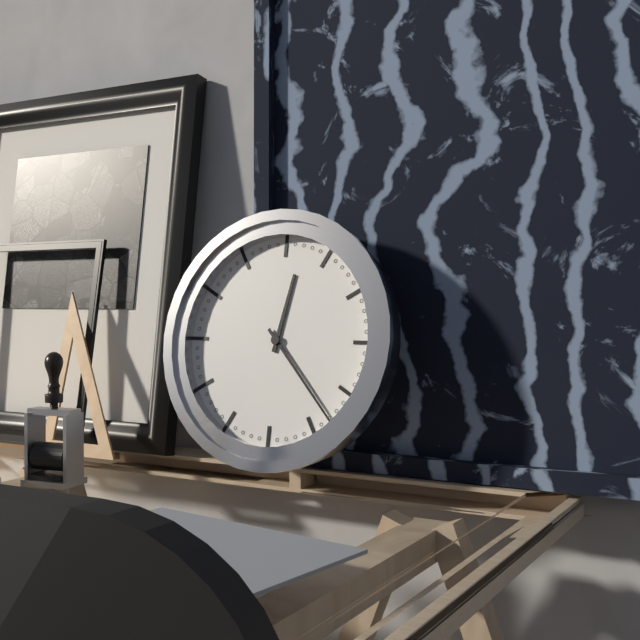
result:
{"hour": 12, "minute": 23}
